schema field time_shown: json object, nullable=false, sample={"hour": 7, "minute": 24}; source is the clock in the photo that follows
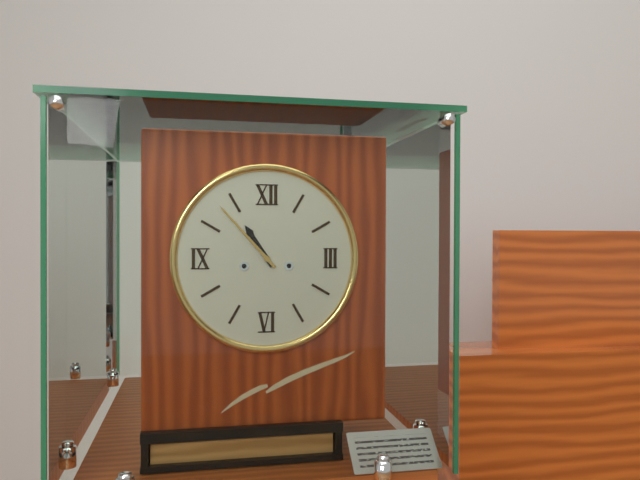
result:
{"hour": 10, "minute": 53}
